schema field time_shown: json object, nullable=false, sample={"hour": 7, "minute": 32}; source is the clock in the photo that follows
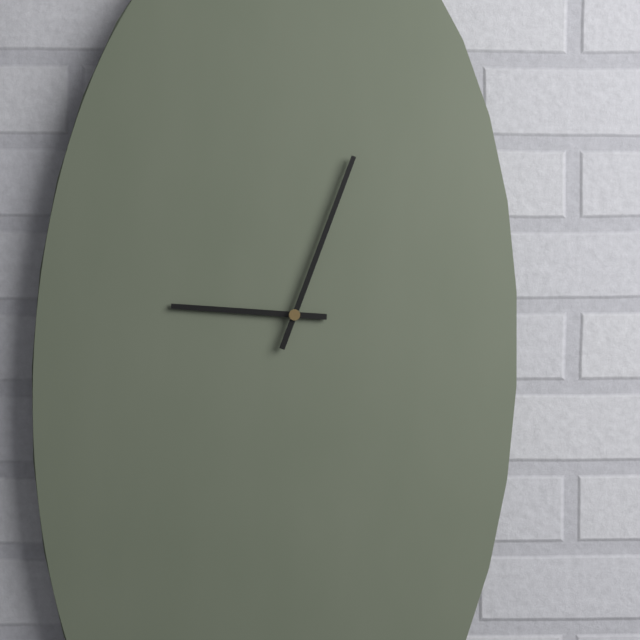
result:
{"hour": 9, "minute": 3}
